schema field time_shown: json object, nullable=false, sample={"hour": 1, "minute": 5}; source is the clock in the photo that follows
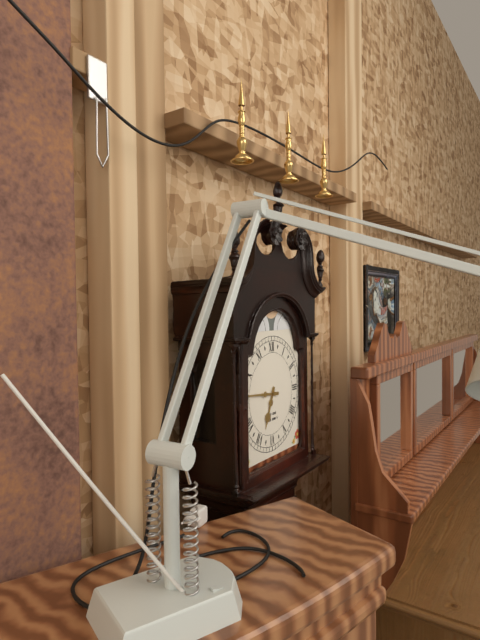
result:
{"hour": 6, "minute": 46}
